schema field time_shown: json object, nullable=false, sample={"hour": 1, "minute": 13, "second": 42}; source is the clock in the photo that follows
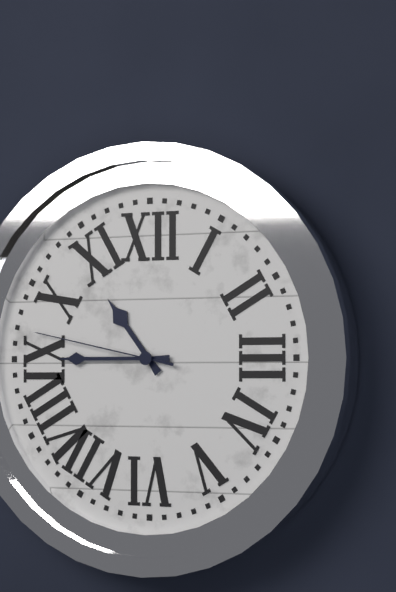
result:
{"hour": 10, "minute": 45, "second": 47}
